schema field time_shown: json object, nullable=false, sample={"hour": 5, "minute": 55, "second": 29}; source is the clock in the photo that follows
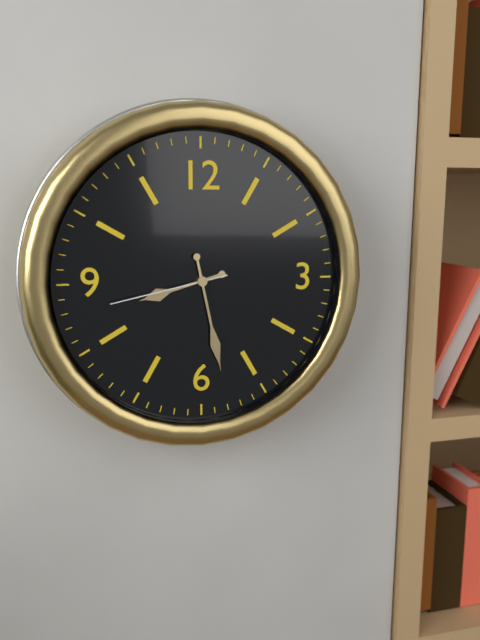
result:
{"hour": 8, "minute": 28, "second": 43}
